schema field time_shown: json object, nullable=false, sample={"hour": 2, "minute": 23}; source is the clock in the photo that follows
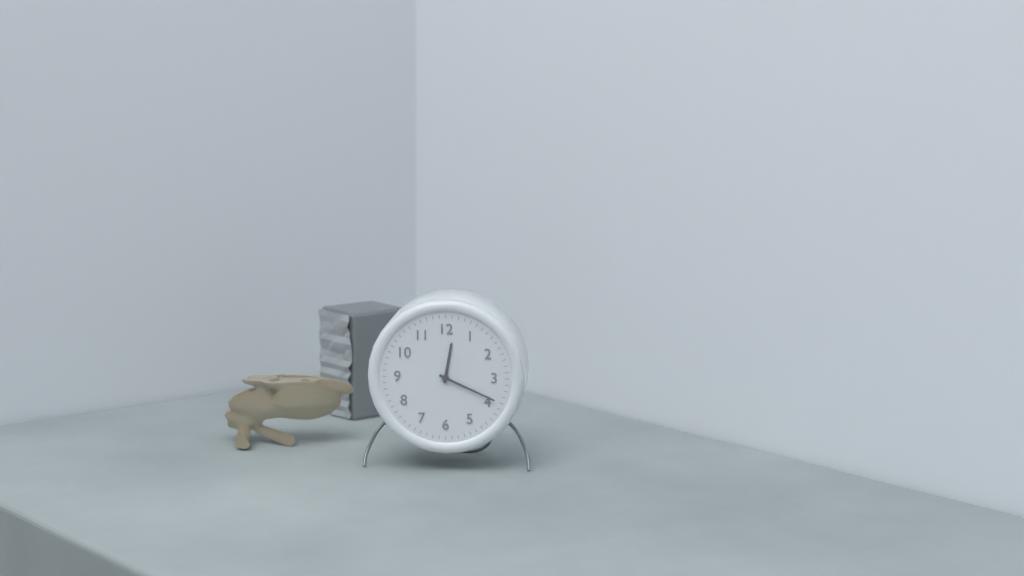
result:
{"hour": 12, "minute": 19}
